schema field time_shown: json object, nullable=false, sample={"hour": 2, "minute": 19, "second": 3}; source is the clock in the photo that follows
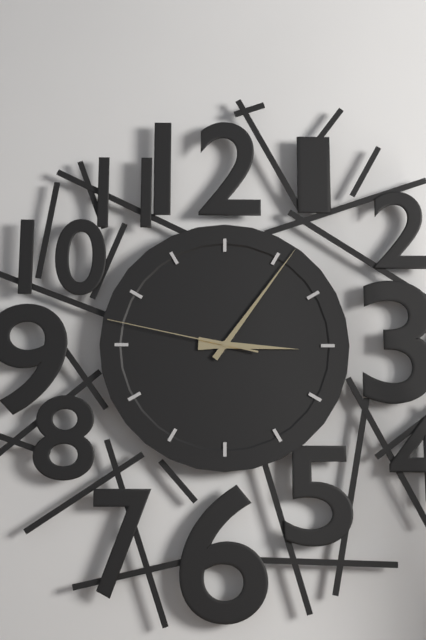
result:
{"hour": 3, "minute": 6, "second": 47}
